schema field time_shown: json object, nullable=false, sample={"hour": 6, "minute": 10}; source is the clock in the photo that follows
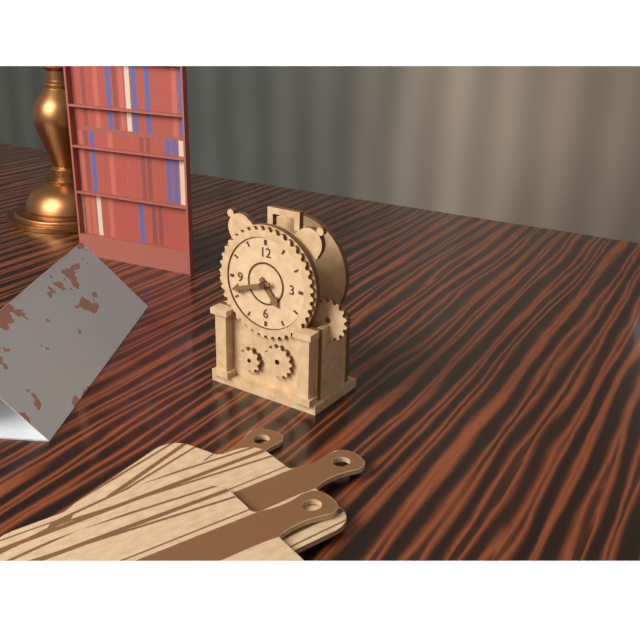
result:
{"hour": 4, "minute": 42}
